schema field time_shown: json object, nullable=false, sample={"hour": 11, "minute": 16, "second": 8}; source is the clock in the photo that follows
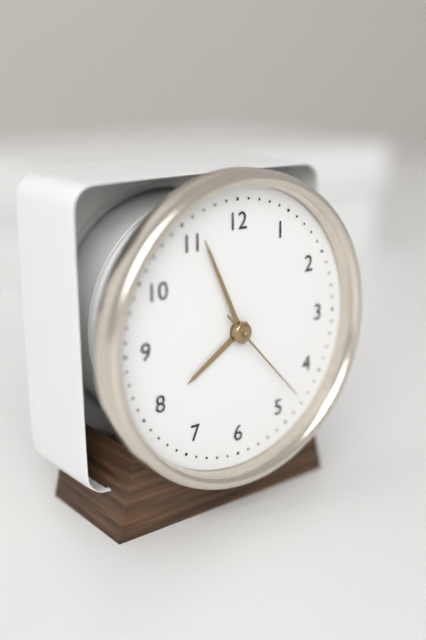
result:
{"hour": 7, "minute": 56, "second": 23}
